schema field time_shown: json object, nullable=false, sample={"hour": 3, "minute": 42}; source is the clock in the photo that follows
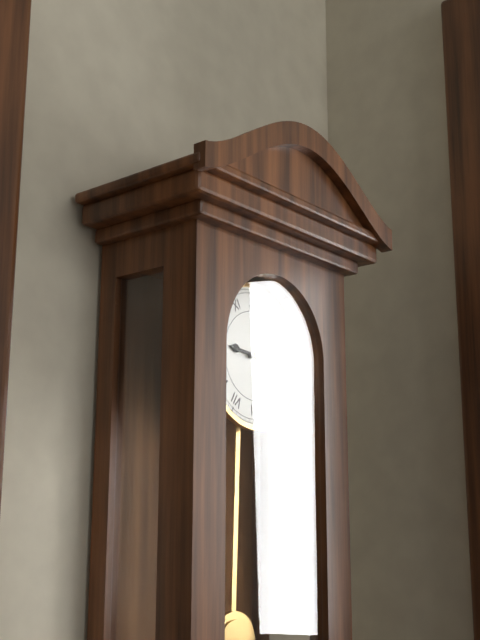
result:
{"hour": 9, "minute": 13}
